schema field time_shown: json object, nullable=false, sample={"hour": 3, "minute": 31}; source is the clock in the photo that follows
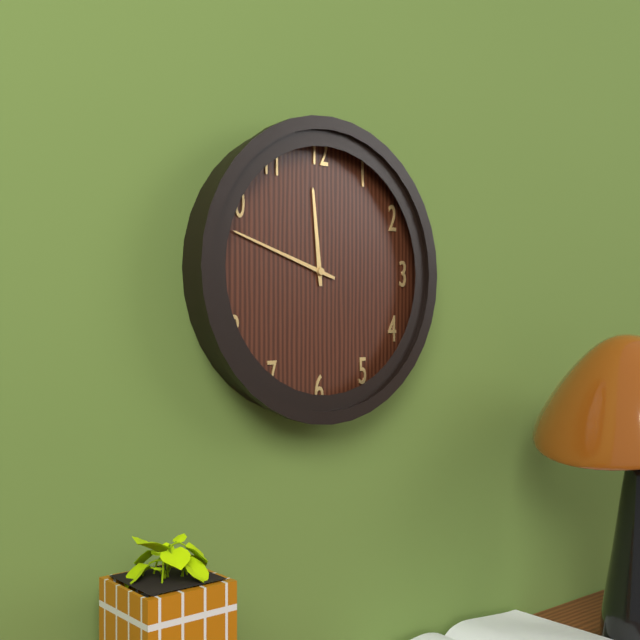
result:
{"hour": 11, "minute": 48}
